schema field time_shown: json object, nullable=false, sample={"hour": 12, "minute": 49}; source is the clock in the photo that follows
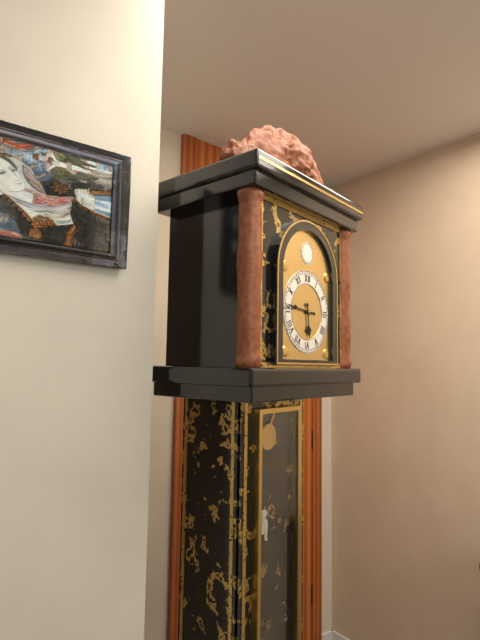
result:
{"hour": 5, "minute": 46}
